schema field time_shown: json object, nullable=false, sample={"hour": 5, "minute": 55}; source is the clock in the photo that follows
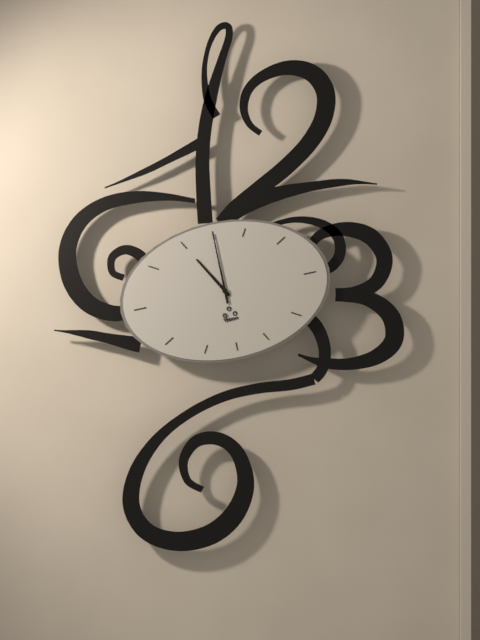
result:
{"hour": 11, "minute": 0}
